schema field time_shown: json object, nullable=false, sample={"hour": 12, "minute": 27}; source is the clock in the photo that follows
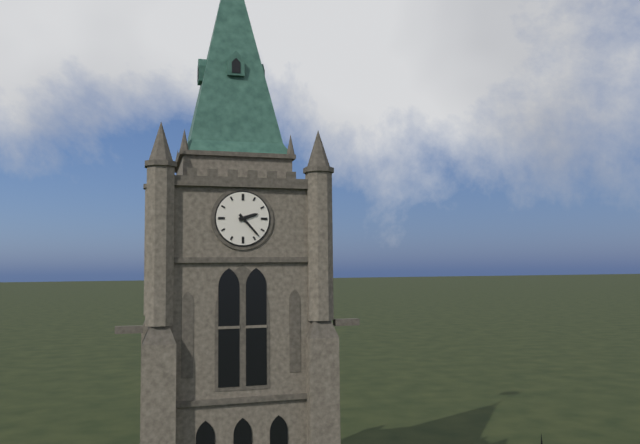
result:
{"hour": 2, "minute": 23}
